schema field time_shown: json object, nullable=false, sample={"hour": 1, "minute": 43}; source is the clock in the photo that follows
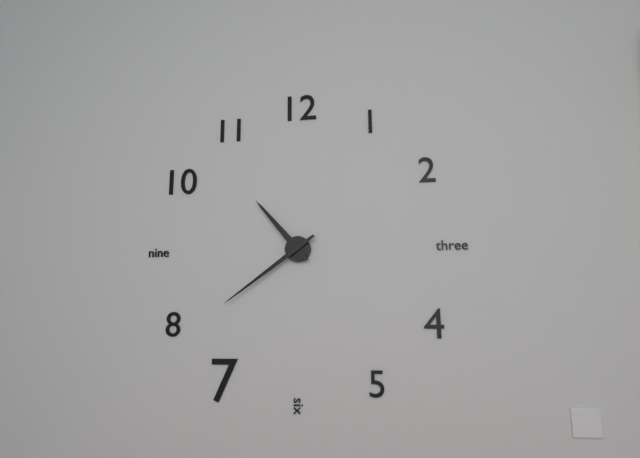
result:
{"hour": 10, "minute": 39}
